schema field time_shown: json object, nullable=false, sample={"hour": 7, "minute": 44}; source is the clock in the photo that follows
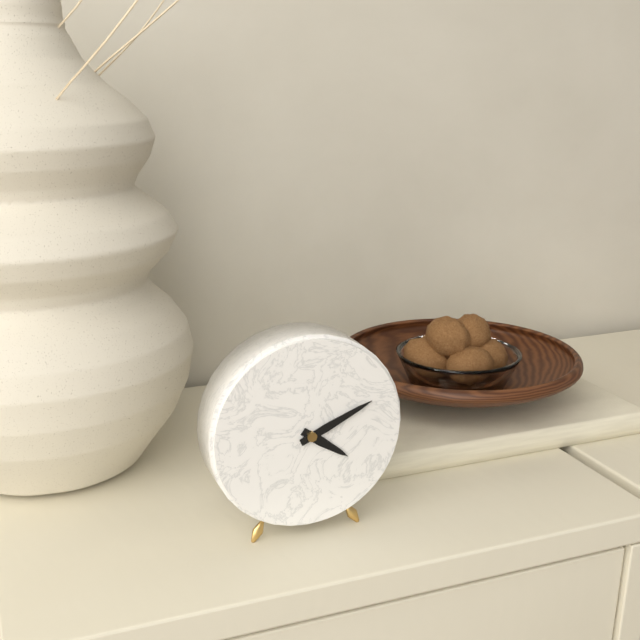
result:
{"hour": 4, "minute": 11}
